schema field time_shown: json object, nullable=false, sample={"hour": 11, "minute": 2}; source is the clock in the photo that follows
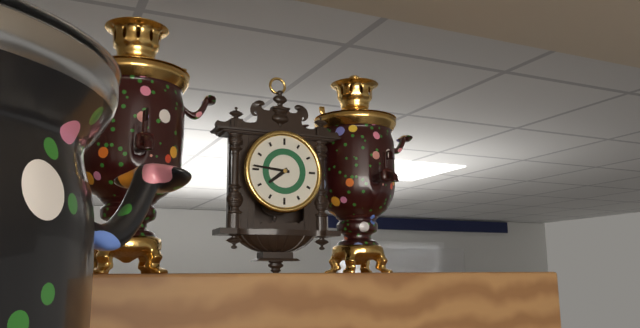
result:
{"hour": 7, "minute": 46}
